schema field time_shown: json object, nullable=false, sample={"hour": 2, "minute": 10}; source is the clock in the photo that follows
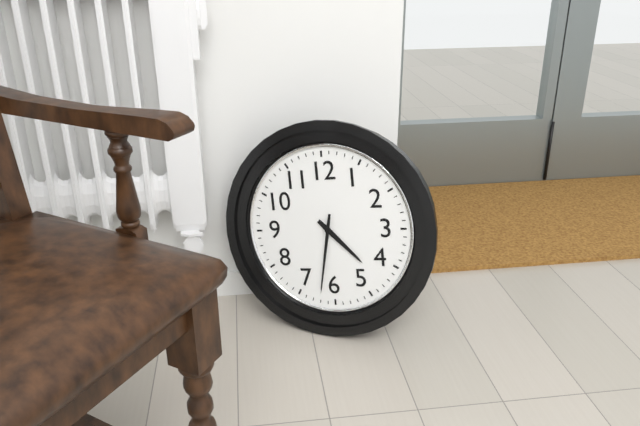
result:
{"hour": 4, "minute": 32}
